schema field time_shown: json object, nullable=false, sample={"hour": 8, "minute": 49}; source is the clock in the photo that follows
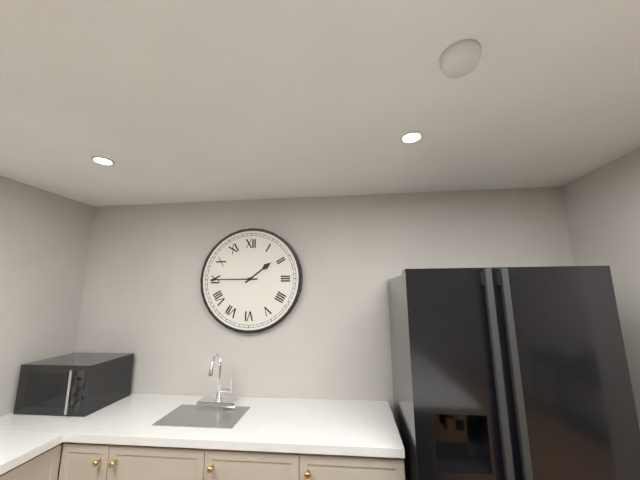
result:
{"hour": 1, "minute": 45}
